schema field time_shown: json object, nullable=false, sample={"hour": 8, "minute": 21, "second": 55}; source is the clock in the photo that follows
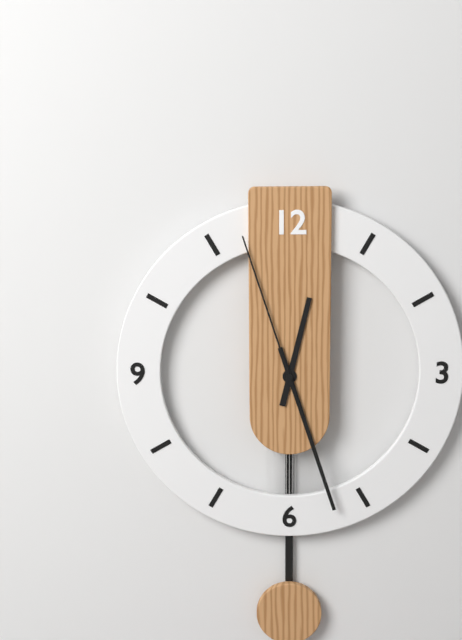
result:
{"hour": 12, "minute": 27, "second": 57}
